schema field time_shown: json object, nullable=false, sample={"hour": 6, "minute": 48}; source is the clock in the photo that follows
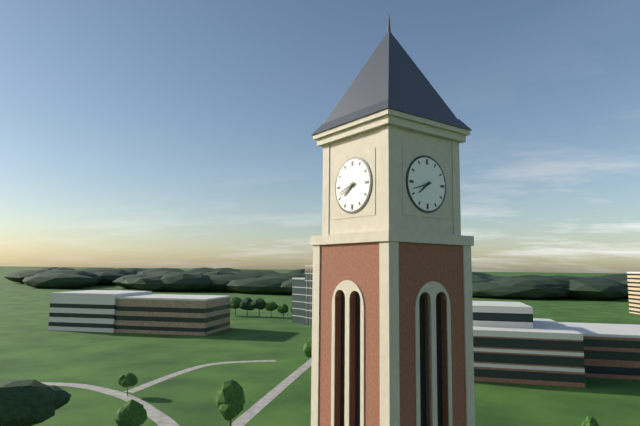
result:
{"hour": 7, "minute": 42}
